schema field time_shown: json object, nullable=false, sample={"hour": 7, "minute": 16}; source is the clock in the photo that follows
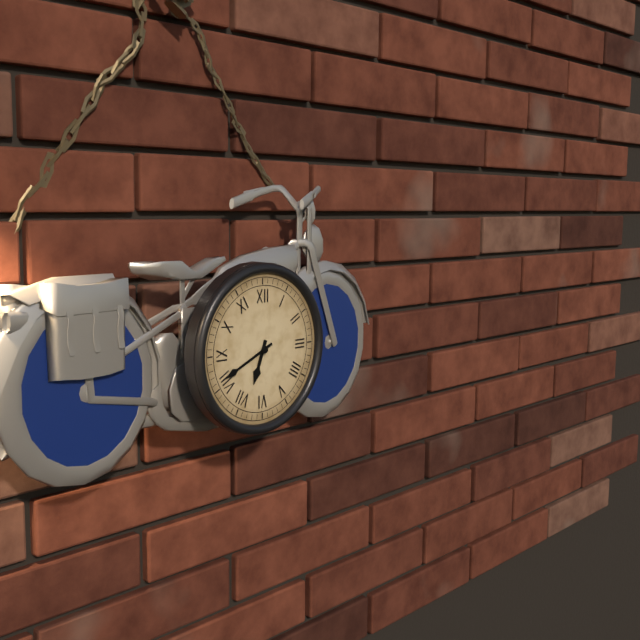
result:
{"hour": 6, "minute": 41}
